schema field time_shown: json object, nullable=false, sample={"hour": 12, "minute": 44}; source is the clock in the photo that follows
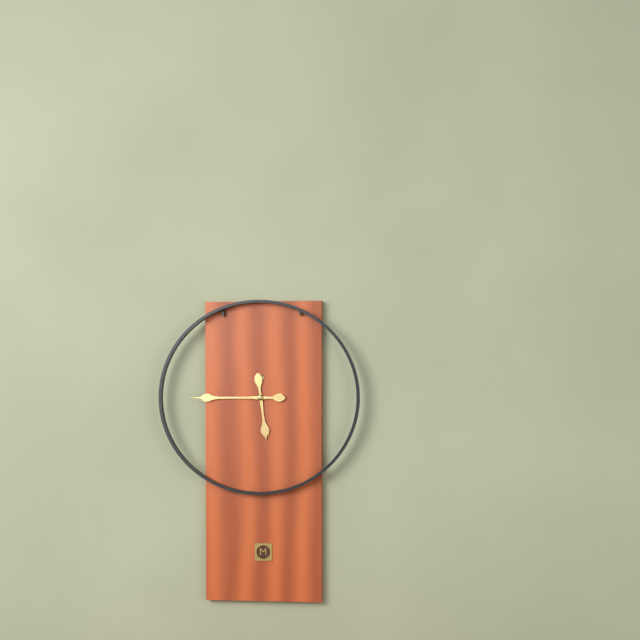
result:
{"hour": 5, "minute": 45}
